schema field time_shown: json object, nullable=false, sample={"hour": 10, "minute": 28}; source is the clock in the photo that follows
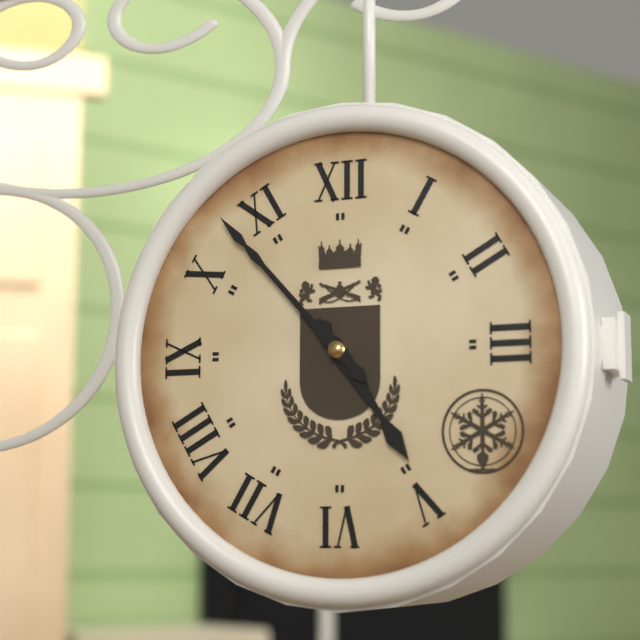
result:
{"hour": 4, "minute": 53}
